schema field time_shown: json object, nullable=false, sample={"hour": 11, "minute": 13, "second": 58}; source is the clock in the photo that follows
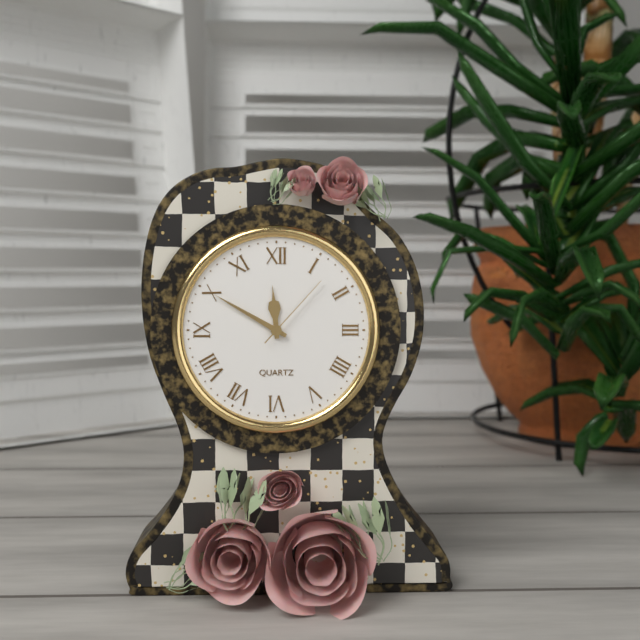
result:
{"hour": 11, "minute": 50, "second": 7}
